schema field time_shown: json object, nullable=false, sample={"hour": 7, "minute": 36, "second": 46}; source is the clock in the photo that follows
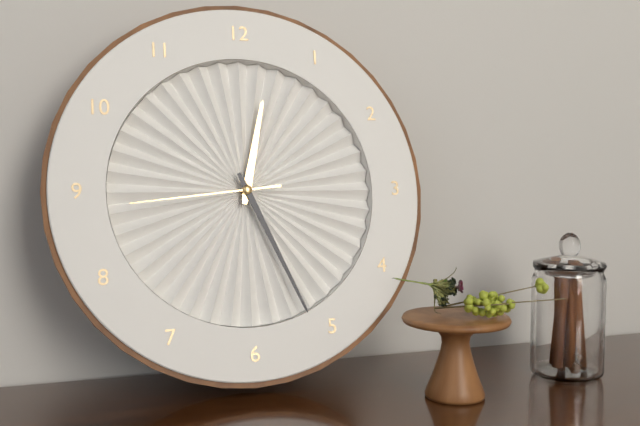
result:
{"hour": 12, "minute": 26, "second": 44}
